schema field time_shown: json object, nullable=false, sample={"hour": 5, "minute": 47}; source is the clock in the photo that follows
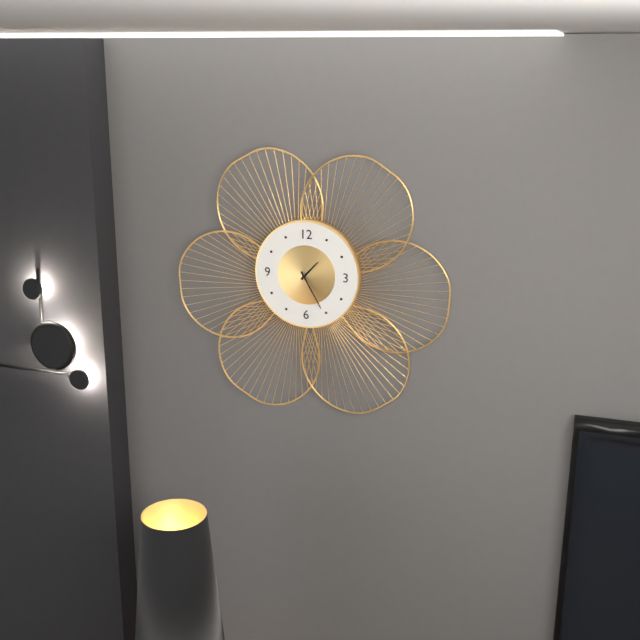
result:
{"hour": 1, "minute": 25}
